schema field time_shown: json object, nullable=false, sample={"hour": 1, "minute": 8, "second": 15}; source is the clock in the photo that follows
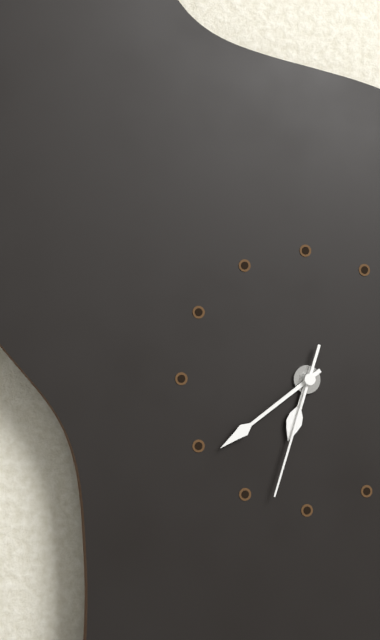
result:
{"hour": 6, "minute": 39, "second": 33}
